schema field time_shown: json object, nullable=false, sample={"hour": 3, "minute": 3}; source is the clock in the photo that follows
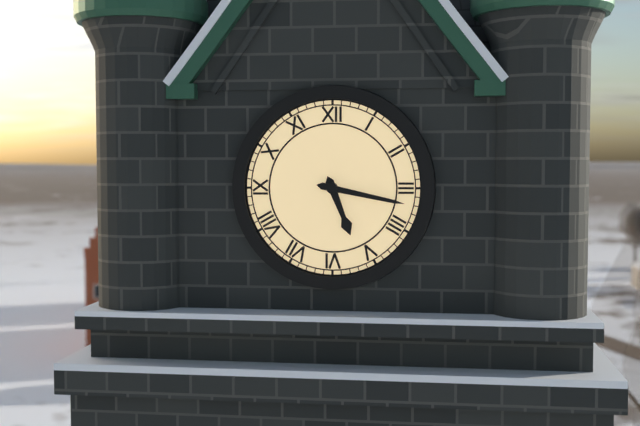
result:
{"hour": 5, "minute": 17}
